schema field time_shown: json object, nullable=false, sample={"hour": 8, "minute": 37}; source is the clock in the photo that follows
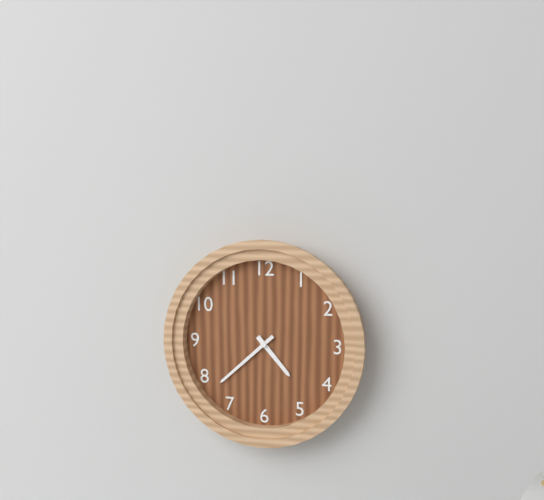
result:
{"hour": 4, "minute": 38}
